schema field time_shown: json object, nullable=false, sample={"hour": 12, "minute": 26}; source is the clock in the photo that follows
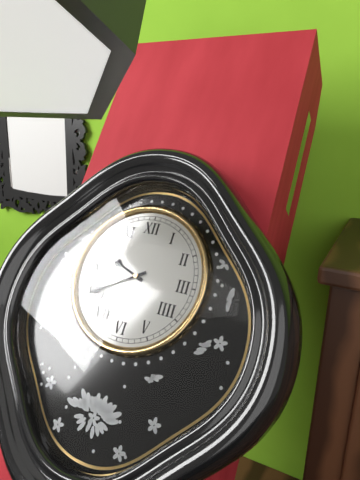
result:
{"hour": 9, "minute": 40}
